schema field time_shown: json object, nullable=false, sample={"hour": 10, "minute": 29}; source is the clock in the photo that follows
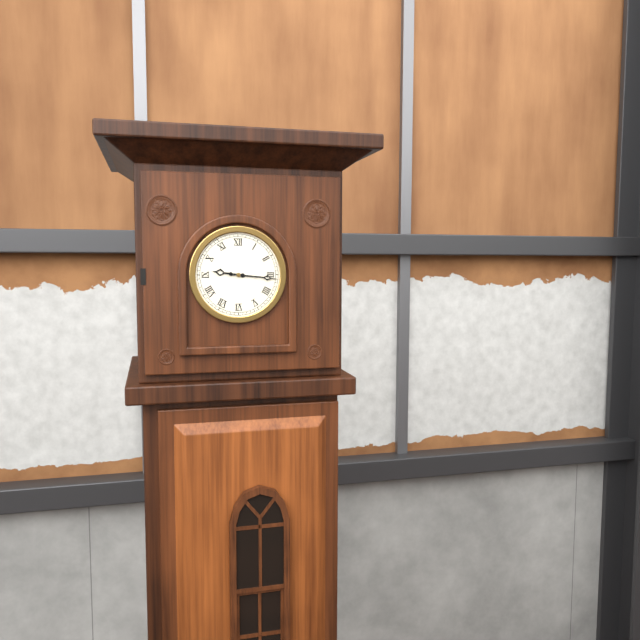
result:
{"hour": 9, "minute": 16}
